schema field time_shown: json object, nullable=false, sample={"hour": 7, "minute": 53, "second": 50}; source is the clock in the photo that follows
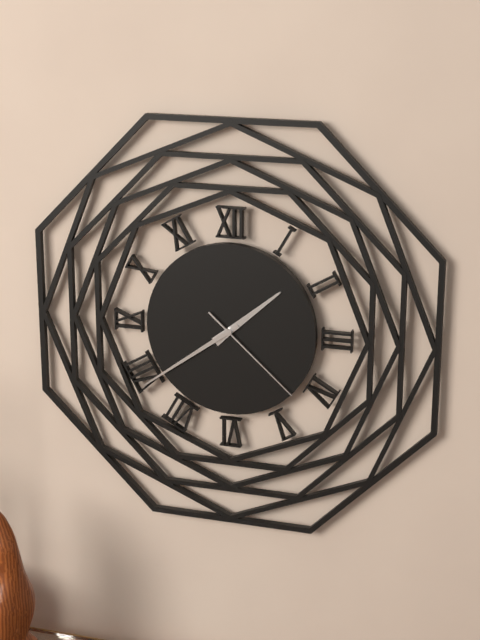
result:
{"hour": 1, "minute": 39, "second": 22}
